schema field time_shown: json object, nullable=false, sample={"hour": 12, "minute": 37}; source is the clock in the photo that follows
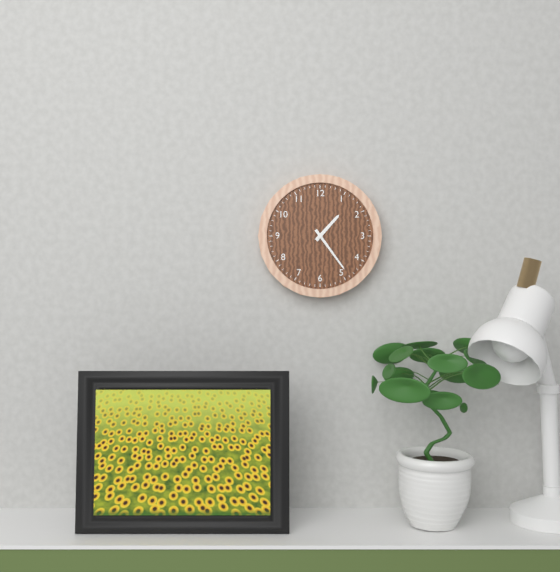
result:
{"hour": 1, "minute": 24}
